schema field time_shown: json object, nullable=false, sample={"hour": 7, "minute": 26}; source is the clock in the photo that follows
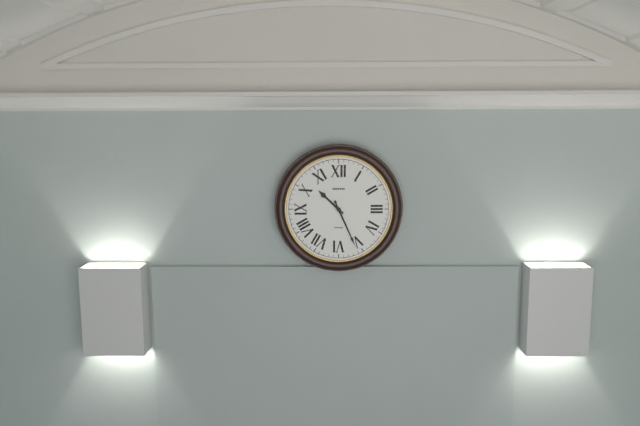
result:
{"hour": 10, "minute": 26}
